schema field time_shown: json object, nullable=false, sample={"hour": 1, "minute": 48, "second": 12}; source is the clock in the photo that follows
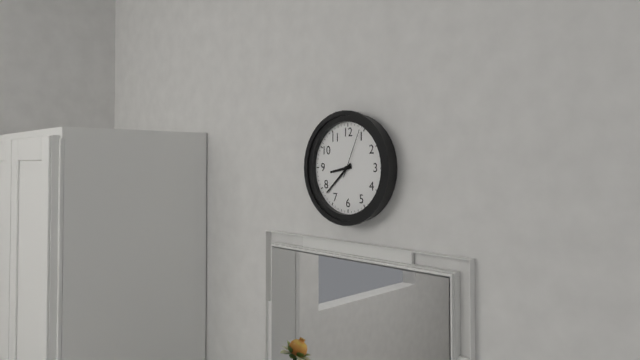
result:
{"hour": 8, "minute": 38, "second": 4}
